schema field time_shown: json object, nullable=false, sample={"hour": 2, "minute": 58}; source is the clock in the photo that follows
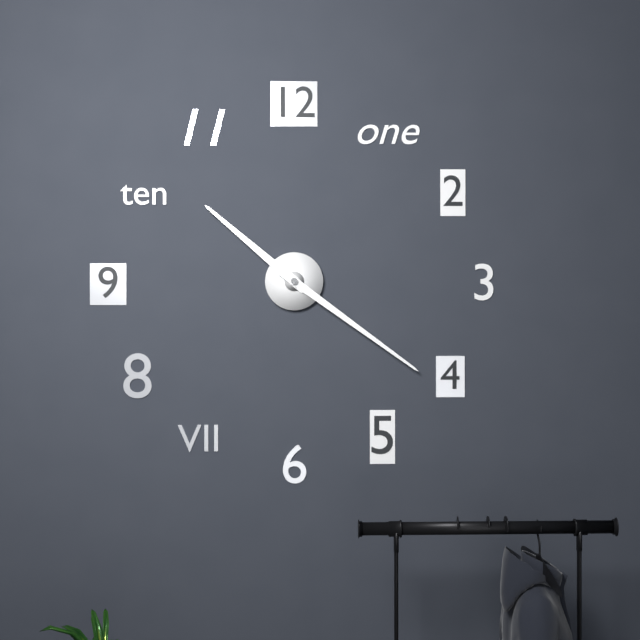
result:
{"hour": 10, "minute": 21}
